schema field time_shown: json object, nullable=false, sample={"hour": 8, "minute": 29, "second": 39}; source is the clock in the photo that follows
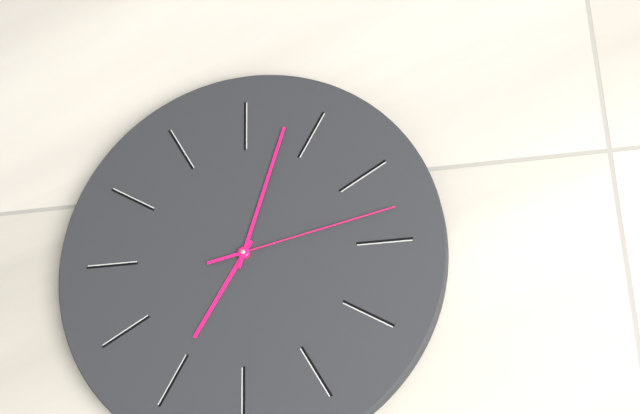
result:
{"hour": 7, "minute": 3, "second": 13}
